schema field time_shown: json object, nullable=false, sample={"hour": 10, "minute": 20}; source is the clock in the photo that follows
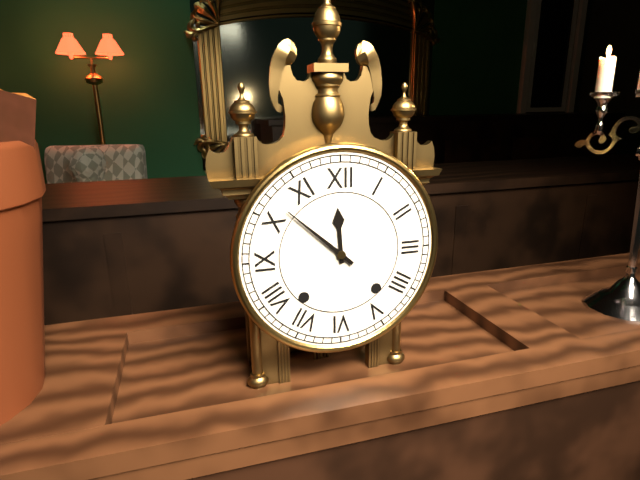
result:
{"hour": 11, "minute": 52}
